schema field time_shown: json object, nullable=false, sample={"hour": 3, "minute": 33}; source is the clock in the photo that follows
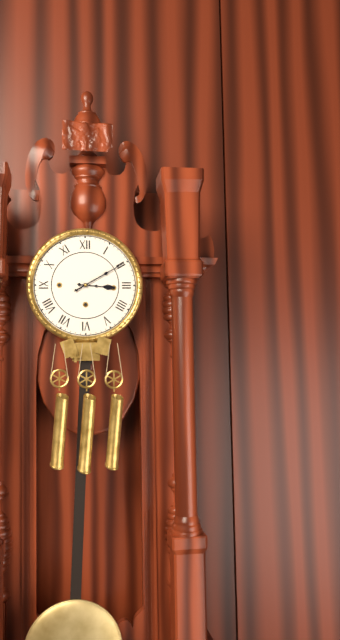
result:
{"hour": 3, "minute": 10}
